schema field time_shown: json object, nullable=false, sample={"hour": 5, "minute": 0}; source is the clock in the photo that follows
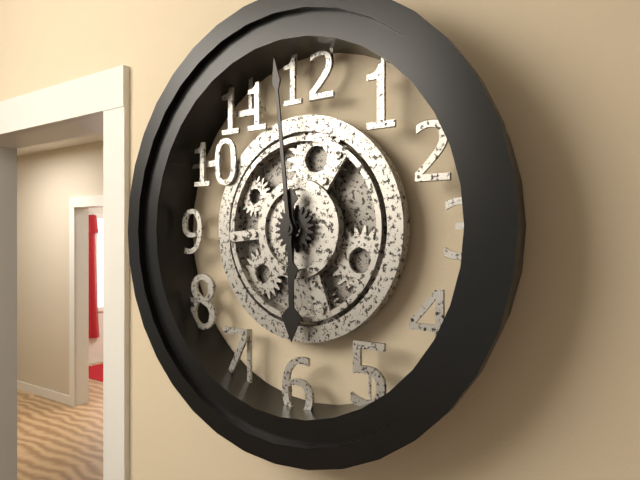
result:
{"hour": 5, "minute": 59}
